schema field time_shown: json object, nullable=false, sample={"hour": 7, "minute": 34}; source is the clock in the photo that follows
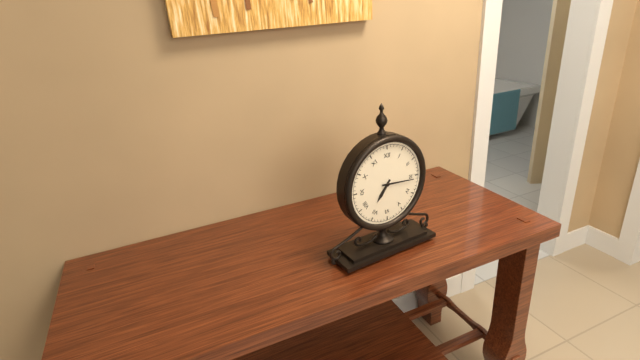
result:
{"hour": 7, "minute": 16}
